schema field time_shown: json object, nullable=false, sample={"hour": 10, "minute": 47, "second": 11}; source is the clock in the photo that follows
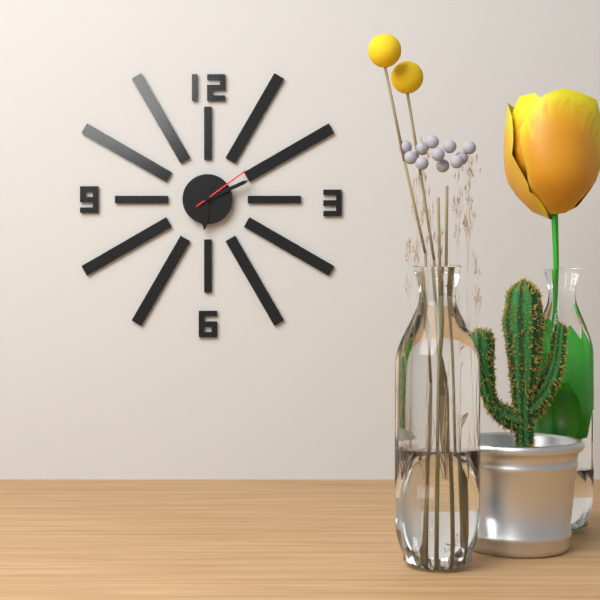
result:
{"hour": 6, "minute": 11, "second": 9}
